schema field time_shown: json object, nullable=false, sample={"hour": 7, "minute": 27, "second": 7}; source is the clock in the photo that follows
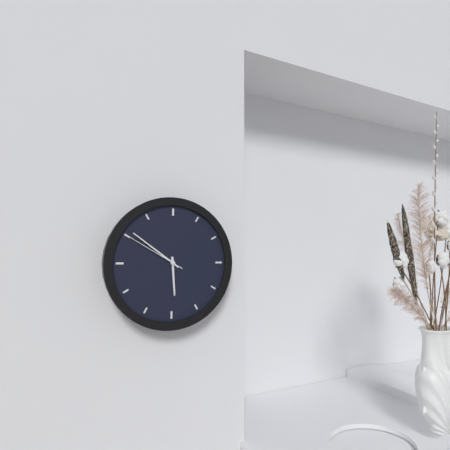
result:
{"hour": 5, "minute": 51, "second": 50}
